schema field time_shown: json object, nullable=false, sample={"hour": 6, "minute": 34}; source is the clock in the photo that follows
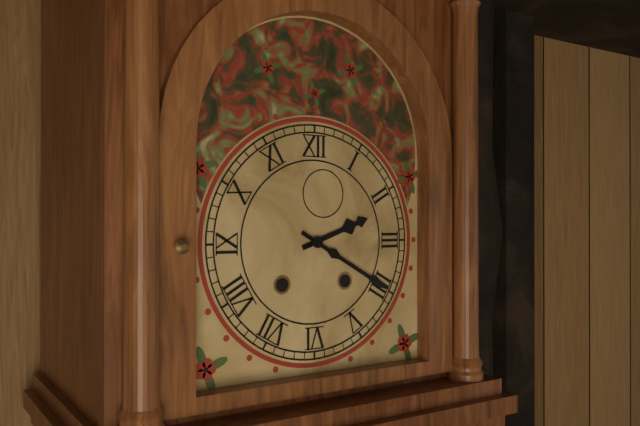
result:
{"hour": 2, "minute": 20}
